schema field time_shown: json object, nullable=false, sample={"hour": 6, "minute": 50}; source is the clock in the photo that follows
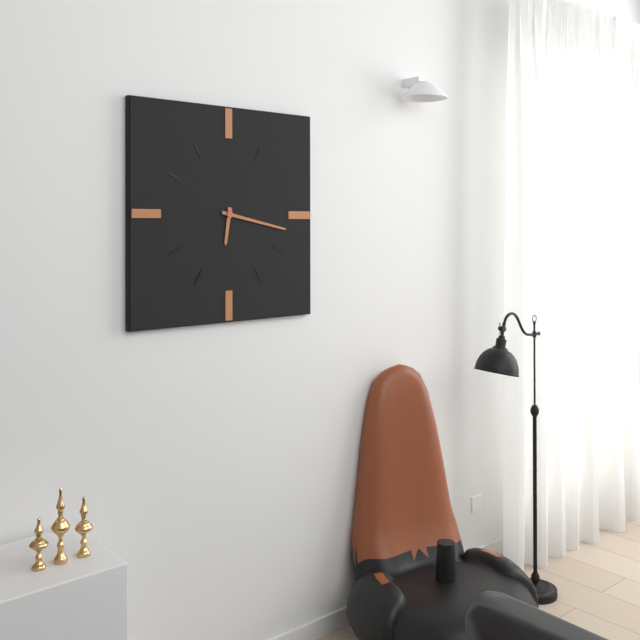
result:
{"hour": 6, "minute": 17}
